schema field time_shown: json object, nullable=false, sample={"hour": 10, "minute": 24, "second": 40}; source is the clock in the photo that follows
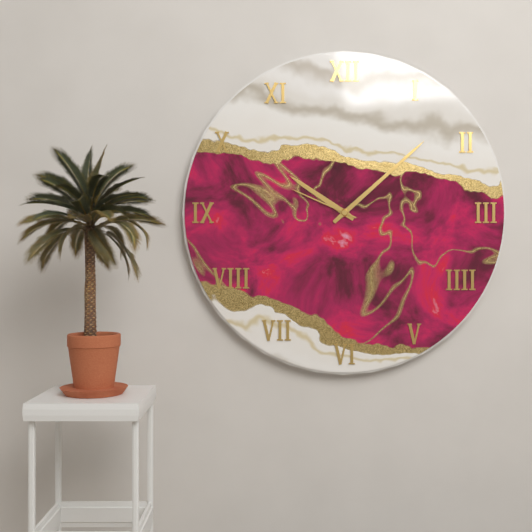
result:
{"hour": 10, "minute": 8, "second": 49}
